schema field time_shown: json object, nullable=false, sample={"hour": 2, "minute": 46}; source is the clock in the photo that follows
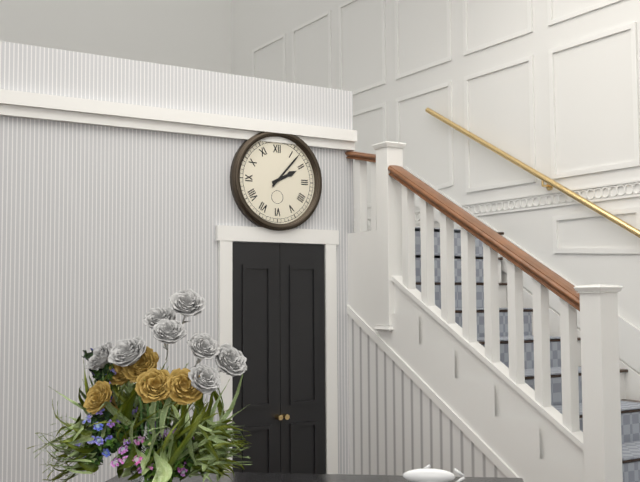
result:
{"hour": 2, "minute": 7}
